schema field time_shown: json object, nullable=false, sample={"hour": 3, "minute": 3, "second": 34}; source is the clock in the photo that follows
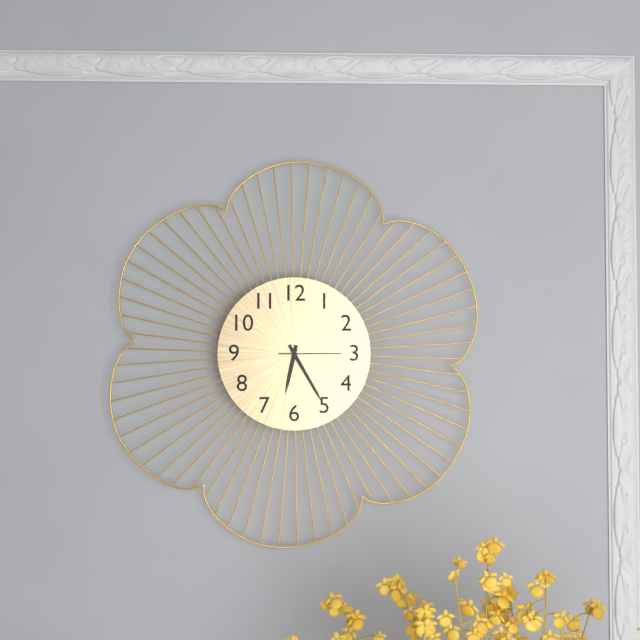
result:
{"hour": 6, "minute": 25, "second": 15}
